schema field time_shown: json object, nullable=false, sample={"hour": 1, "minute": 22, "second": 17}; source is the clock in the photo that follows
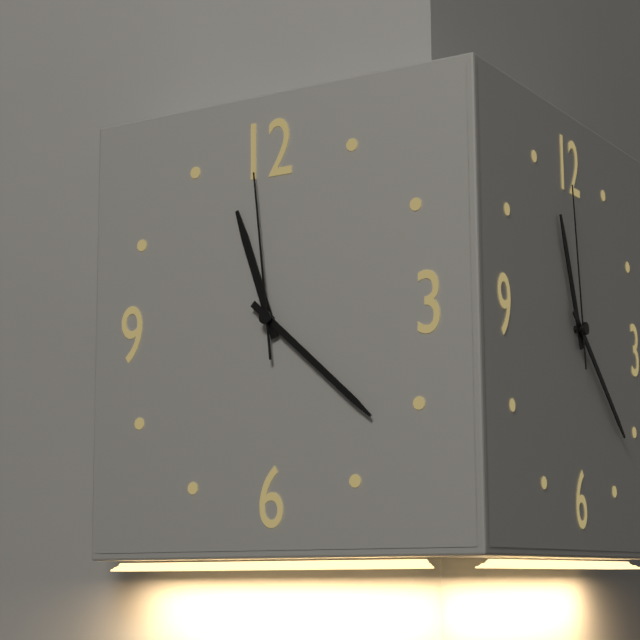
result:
{"hour": 11, "minute": 22, "second": 59}
